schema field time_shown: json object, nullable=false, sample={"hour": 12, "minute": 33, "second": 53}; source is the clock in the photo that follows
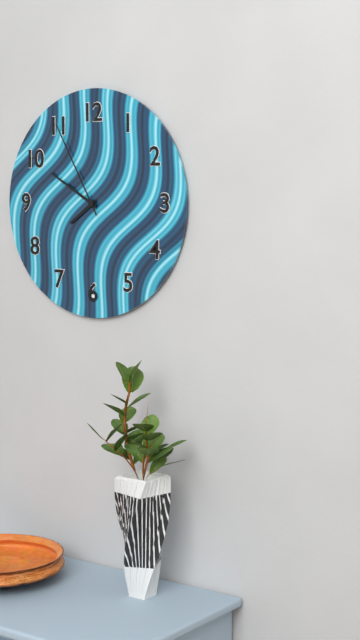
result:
{"hour": 7, "minute": 50, "second": 55}
